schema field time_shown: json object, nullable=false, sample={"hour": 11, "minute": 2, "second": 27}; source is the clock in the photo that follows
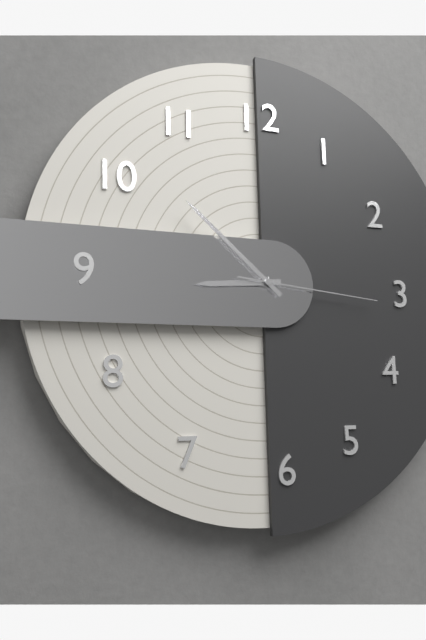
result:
{"hour": 8, "minute": 52, "second": 16}
